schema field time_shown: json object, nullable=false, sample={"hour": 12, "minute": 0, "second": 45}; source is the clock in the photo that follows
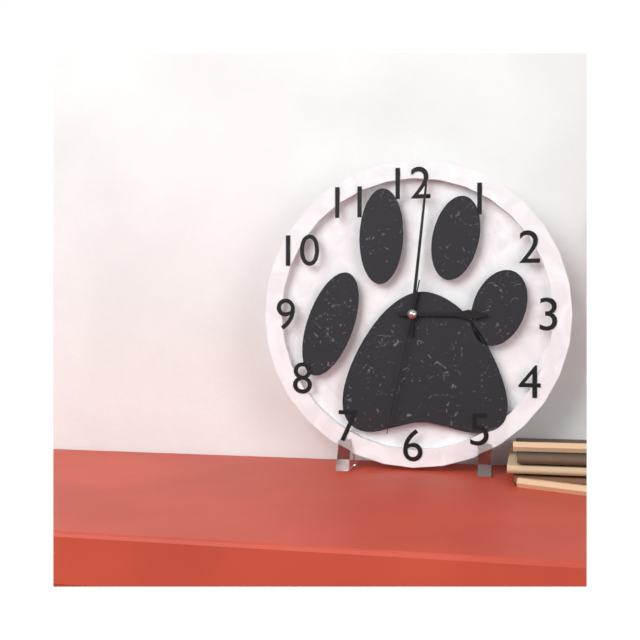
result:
{"hour": 3, "minute": 1, "second": 32}
